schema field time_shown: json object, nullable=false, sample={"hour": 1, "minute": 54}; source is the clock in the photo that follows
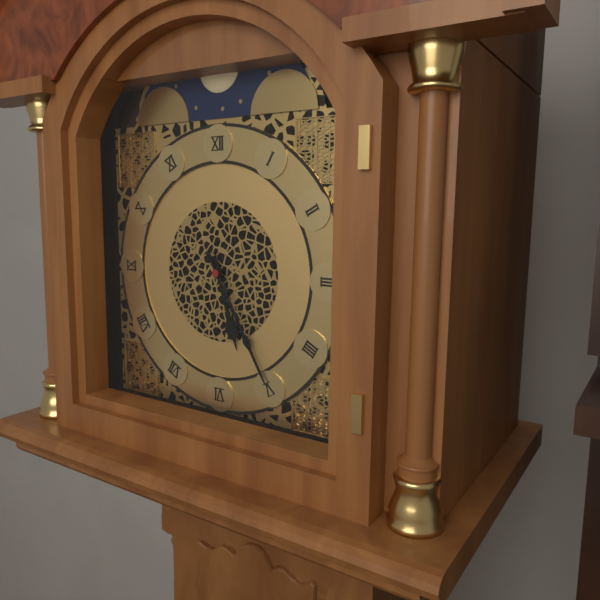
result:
{"hour": 5, "minute": 25}
